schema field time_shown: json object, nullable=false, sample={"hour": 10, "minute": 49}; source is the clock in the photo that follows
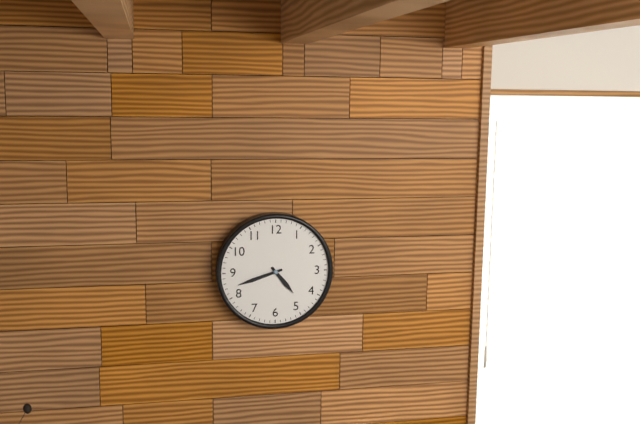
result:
{"hour": 4, "minute": 42}
